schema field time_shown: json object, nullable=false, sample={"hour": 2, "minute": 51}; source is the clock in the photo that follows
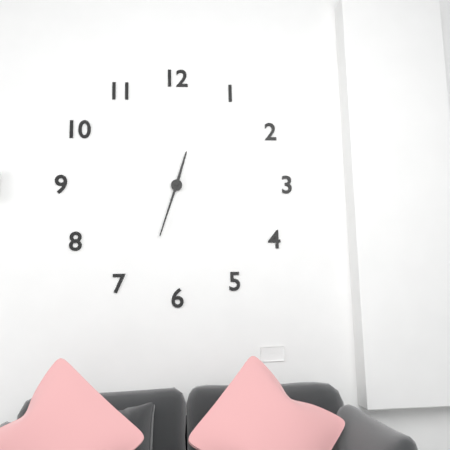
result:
{"hour": 12, "minute": 33}
